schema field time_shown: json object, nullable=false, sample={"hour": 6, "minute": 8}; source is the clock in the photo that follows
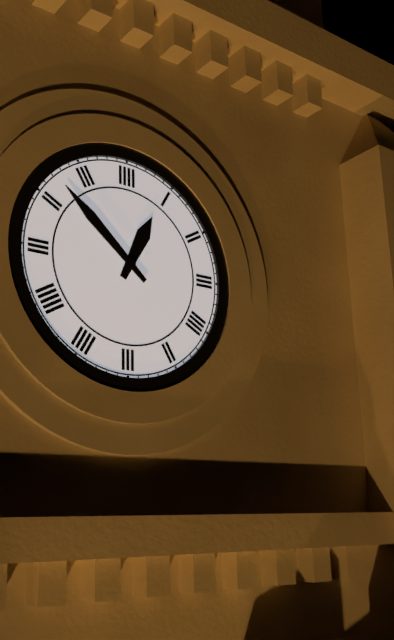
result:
{"hour": 12, "minute": 52}
